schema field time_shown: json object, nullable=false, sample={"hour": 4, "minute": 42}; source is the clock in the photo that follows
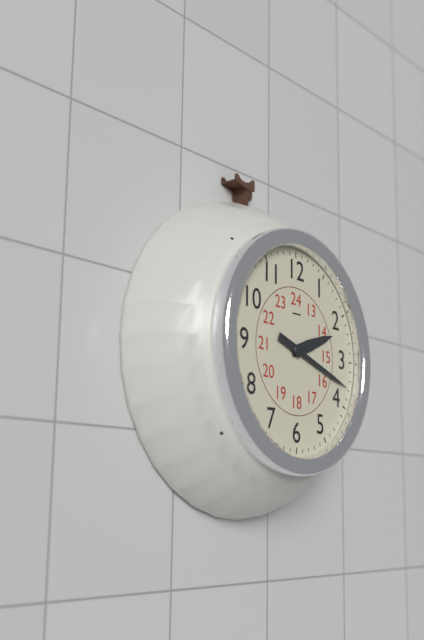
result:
{"hour": 2, "minute": 18}
